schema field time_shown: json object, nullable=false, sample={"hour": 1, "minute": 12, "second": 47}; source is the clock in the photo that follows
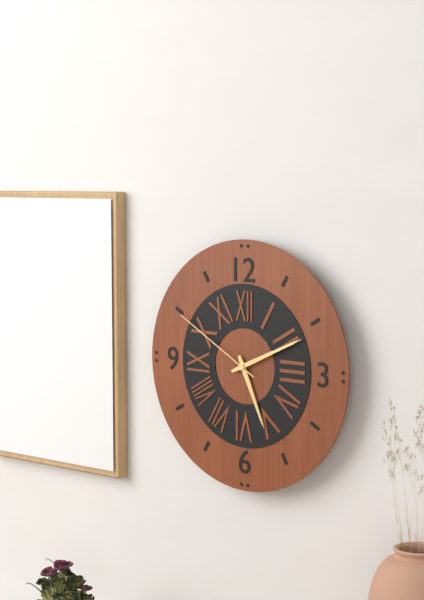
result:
{"hour": 5, "minute": 11, "second": 50}
